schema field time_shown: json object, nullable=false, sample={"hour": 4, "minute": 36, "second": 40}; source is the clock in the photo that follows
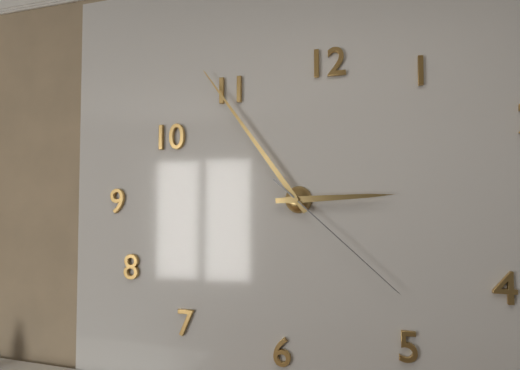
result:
{"hour": 2, "minute": 54, "second": 22}
